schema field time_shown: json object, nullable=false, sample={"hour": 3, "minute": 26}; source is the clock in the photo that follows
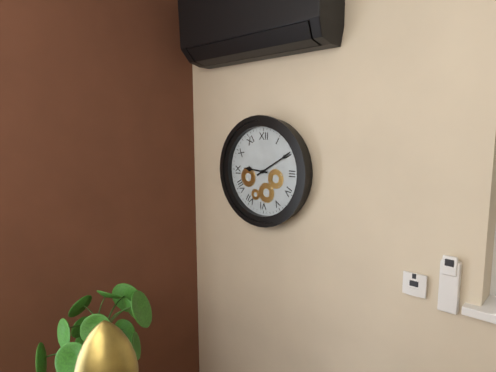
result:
{"hour": 9, "minute": 10}
